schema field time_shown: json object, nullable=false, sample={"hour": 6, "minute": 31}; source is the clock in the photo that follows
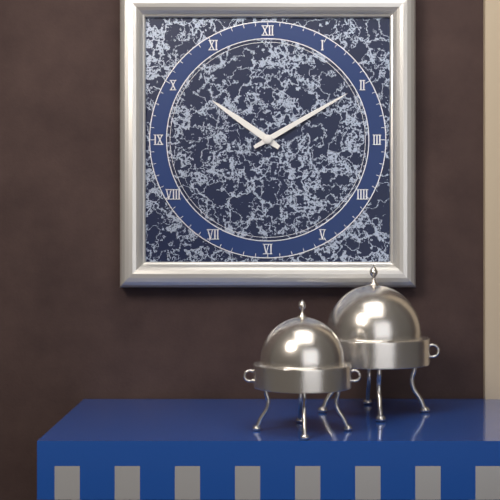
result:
{"hour": 10, "minute": 10}
